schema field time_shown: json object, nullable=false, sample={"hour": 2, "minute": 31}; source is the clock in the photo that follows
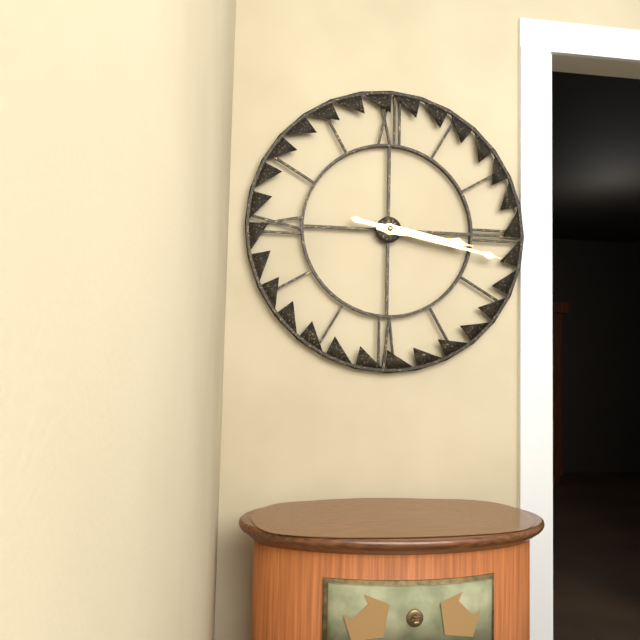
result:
{"hour": 3, "minute": 17}
